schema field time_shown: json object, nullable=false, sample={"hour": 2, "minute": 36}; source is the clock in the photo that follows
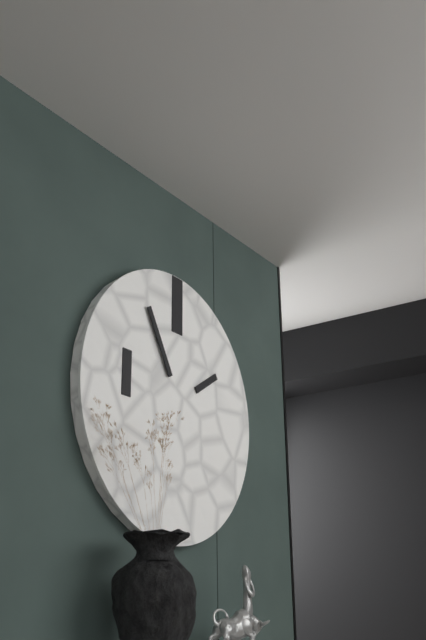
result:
{"hour": 1, "minute": 55}
